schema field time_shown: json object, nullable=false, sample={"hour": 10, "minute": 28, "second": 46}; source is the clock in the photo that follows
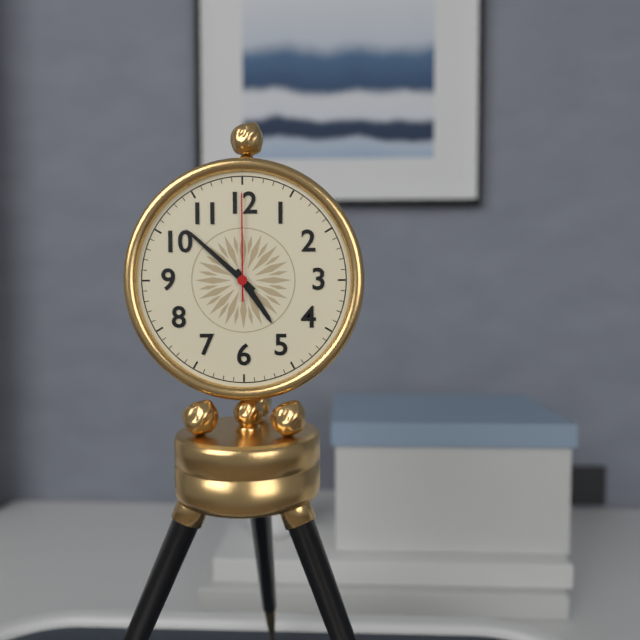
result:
{"hour": 4, "minute": 52, "second": 0}
